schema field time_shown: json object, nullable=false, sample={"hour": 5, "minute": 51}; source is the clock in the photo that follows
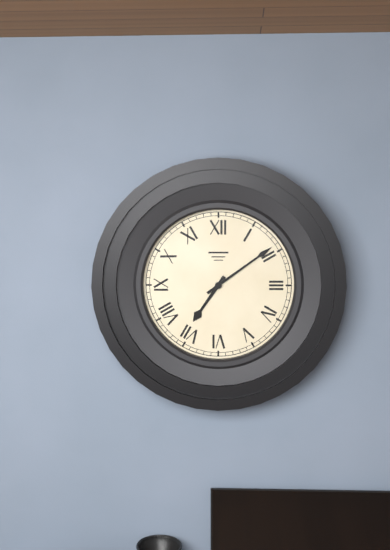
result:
{"hour": 7, "minute": 9}
